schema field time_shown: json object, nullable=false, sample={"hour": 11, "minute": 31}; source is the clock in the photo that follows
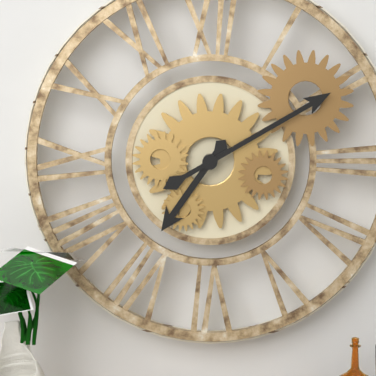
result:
{"hour": 7, "minute": 10}
